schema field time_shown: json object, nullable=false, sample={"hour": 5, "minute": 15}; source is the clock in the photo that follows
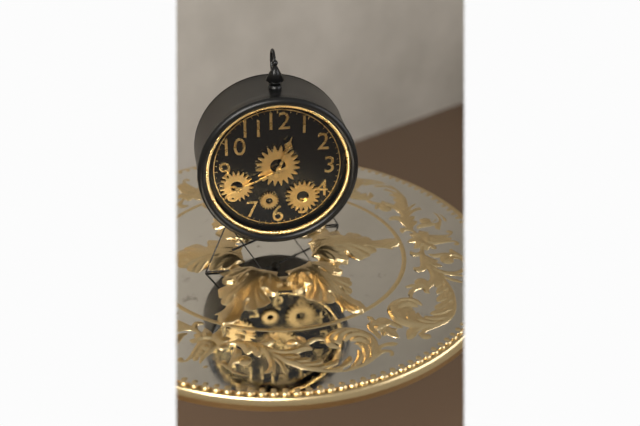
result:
{"hour": 12, "minute": 41}
